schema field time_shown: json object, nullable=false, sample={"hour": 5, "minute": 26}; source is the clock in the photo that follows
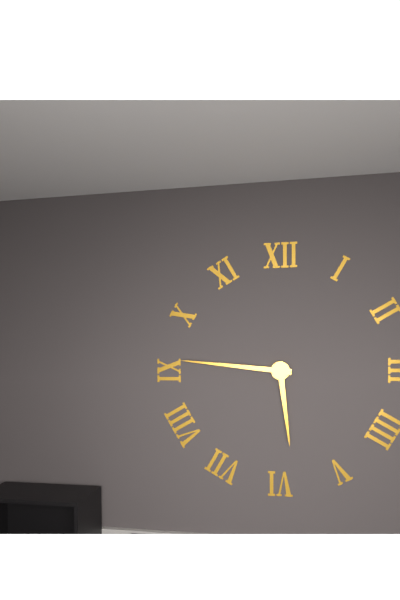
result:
{"hour": 5, "minute": 46}
